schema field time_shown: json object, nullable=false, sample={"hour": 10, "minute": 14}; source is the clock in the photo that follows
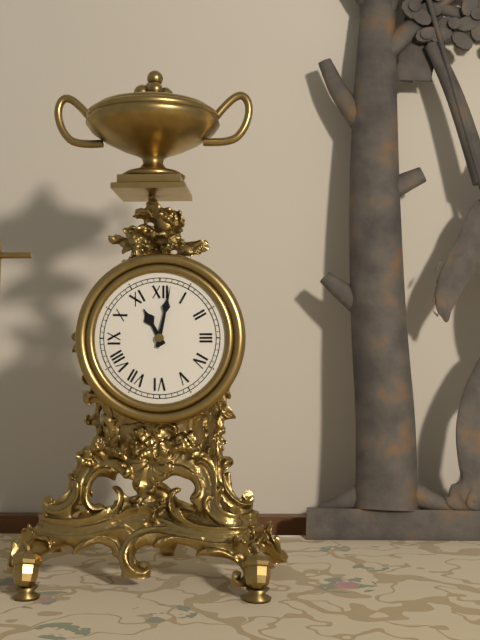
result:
{"hour": 11, "minute": 2}
